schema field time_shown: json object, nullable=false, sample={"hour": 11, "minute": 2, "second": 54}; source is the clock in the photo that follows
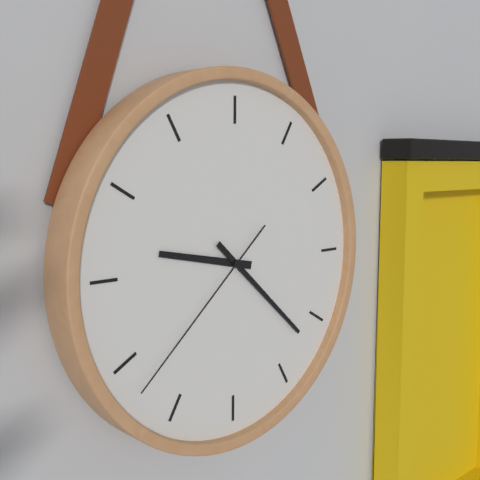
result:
{"hour": 9, "minute": 22, "second": 38}
